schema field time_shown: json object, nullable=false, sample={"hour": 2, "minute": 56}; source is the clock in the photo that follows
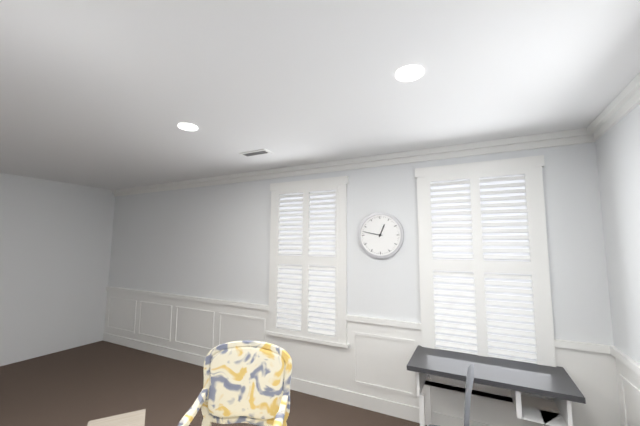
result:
{"hour": 12, "minute": 47}
